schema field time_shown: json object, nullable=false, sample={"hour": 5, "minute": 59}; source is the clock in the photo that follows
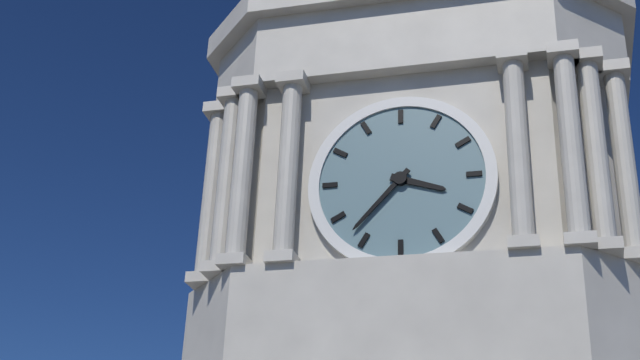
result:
{"hour": 3, "minute": 37}
